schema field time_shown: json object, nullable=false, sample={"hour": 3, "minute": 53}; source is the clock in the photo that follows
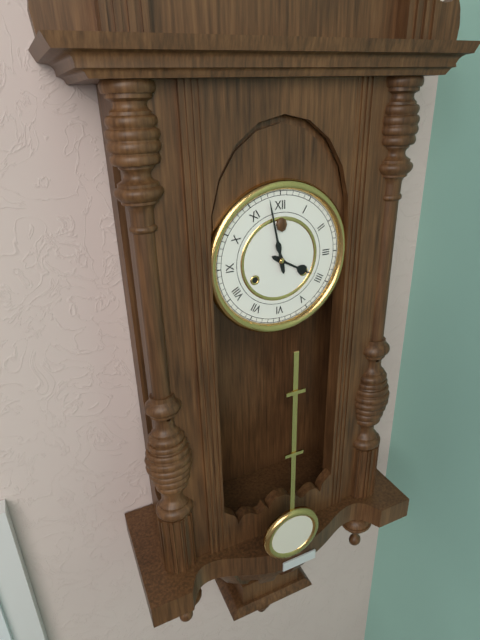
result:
{"hour": 3, "minute": 58}
